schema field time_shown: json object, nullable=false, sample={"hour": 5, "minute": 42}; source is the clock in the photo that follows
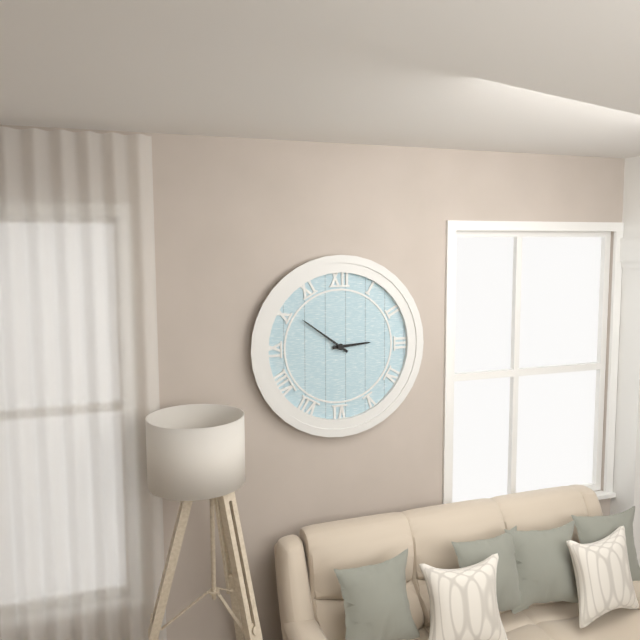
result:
{"hour": 2, "minute": 51}
